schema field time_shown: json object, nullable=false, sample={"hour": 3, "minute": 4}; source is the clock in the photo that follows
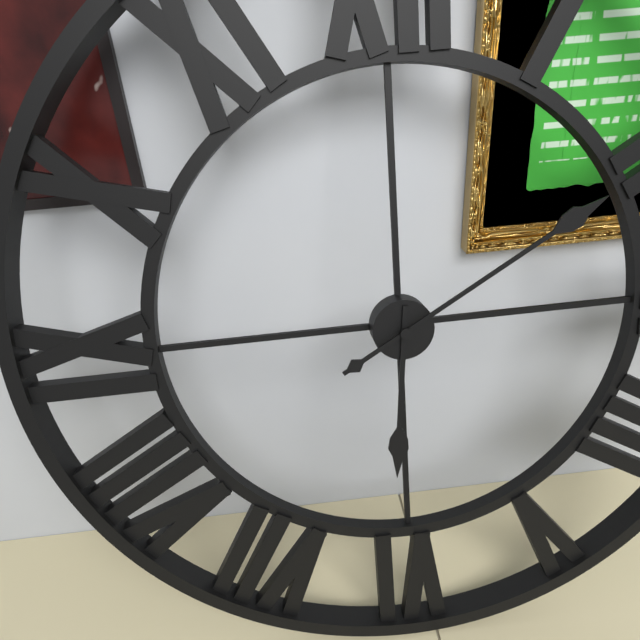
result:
{"hour": 6, "minute": 10}
